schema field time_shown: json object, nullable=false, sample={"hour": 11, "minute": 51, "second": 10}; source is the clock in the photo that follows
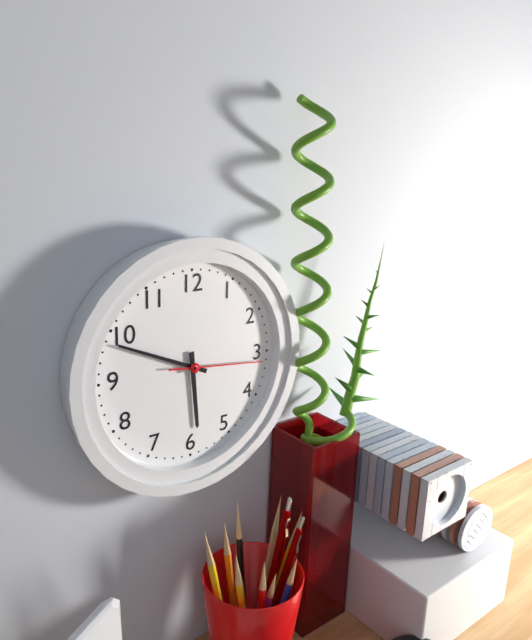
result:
{"hour": 5, "minute": 49, "second": 16}
